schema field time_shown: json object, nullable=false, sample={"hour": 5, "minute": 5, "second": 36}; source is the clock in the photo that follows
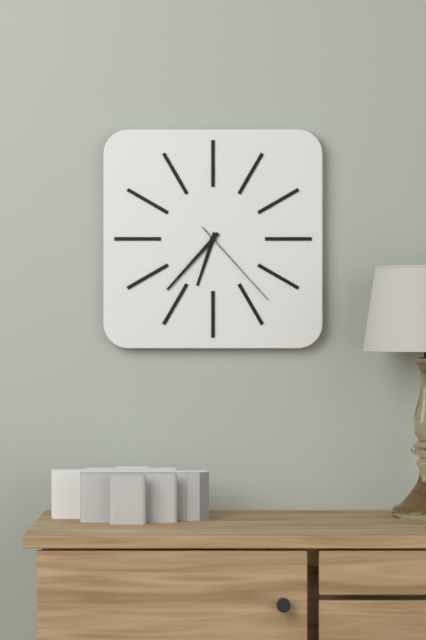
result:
{"hour": 6, "minute": 37, "second": 23}
